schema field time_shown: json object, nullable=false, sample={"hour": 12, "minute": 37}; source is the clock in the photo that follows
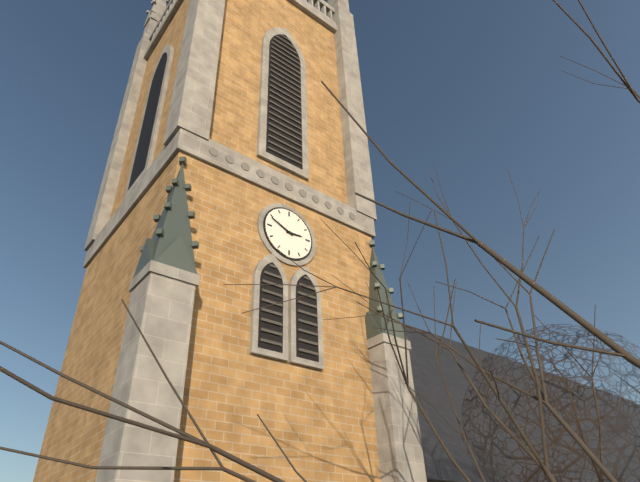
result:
{"hour": 2, "minute": 49}
